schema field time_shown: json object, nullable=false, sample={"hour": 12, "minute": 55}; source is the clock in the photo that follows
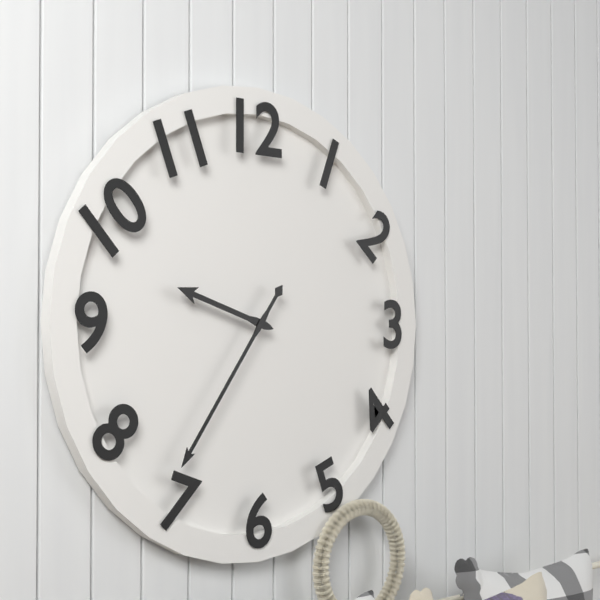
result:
{"hour": 9, "minute": 36}
